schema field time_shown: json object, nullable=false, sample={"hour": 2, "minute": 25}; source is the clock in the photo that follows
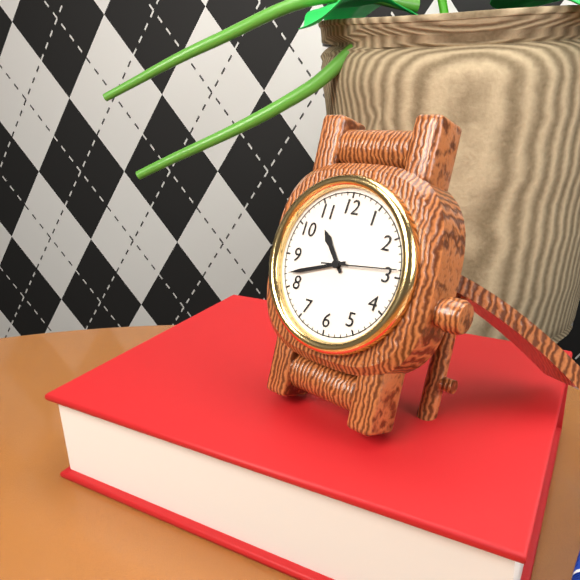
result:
{"hour": 10, "minute": 42}
